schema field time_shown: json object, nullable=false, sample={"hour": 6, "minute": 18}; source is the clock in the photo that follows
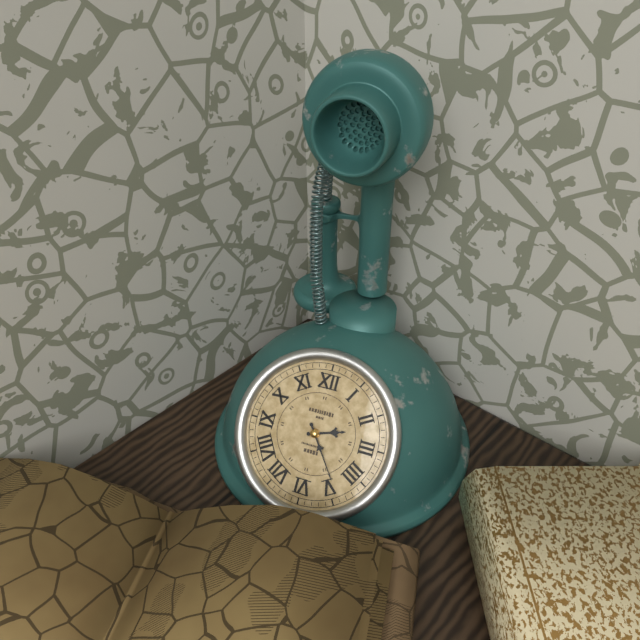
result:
{"hour": 2, "minute": 24}
